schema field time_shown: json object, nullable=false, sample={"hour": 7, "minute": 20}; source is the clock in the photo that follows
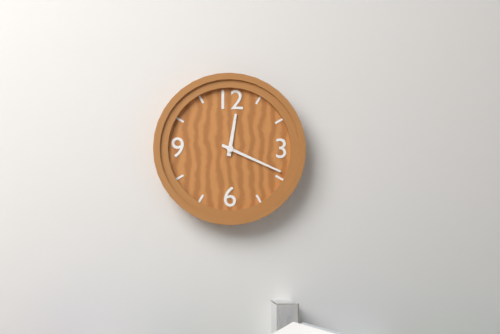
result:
{"hour": 12, "minute": 19}
